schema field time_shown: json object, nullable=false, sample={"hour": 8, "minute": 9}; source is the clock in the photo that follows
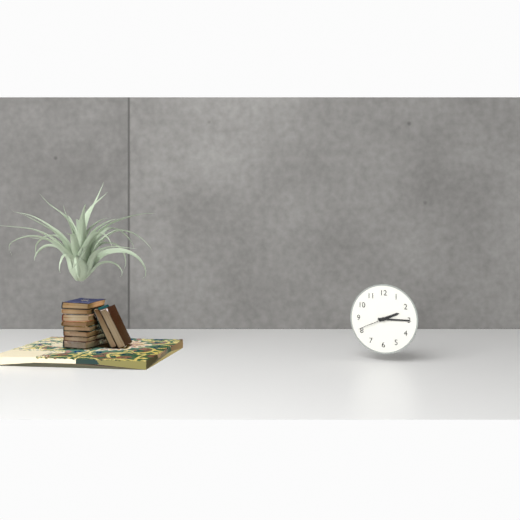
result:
{"hour": 2, "minute": 15}
